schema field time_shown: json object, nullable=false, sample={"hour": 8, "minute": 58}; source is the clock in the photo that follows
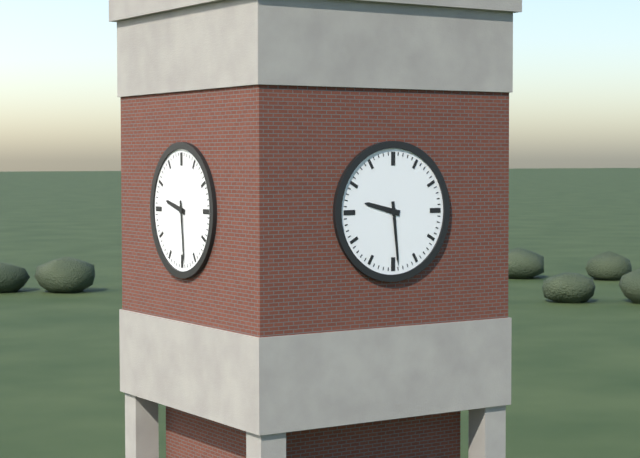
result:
{"hour": 9, "minute": 29}
